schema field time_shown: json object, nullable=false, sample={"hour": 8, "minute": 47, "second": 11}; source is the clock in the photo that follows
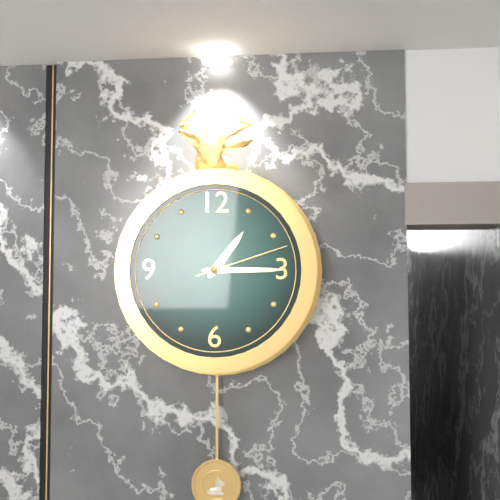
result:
{"hour": 1, "minute": 15, "second": 12}
